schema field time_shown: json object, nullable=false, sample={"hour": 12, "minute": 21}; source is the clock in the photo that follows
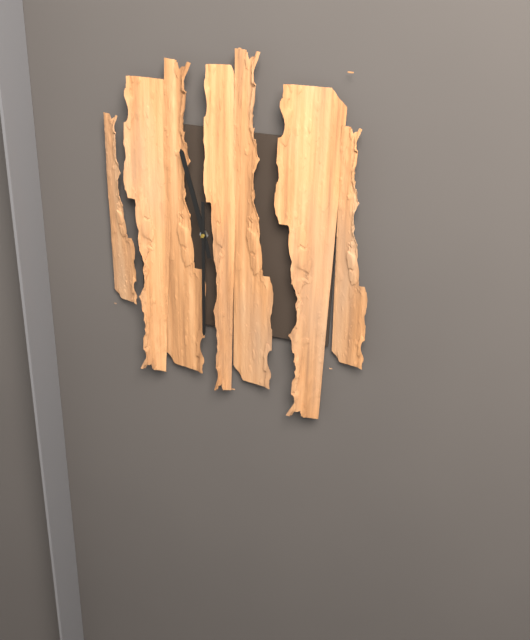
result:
{"hour": 11, "minute": 30}
